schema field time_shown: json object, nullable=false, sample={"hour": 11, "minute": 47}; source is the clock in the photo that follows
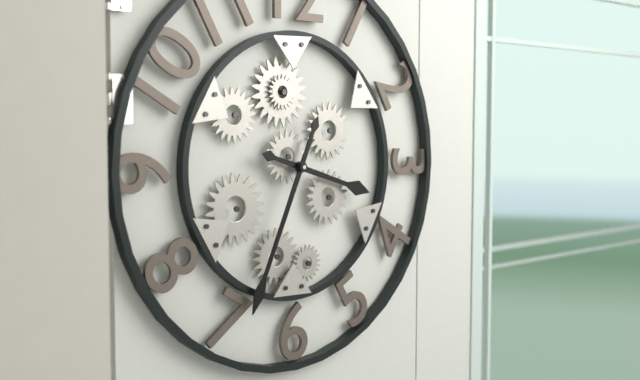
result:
{"hour": 3, "minute": 34}
